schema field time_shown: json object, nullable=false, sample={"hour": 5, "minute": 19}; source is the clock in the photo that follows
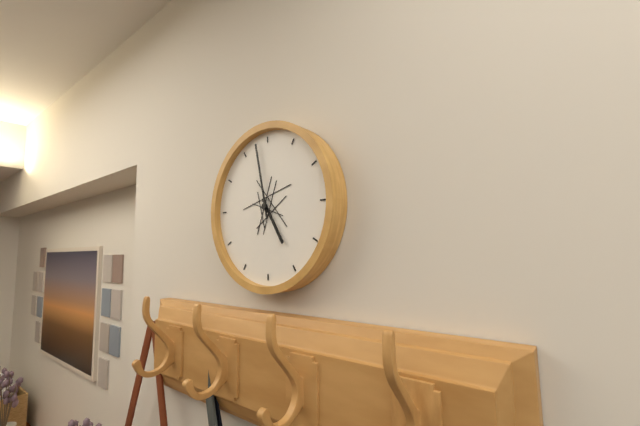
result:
{"hour": 4, "minute": 58}
